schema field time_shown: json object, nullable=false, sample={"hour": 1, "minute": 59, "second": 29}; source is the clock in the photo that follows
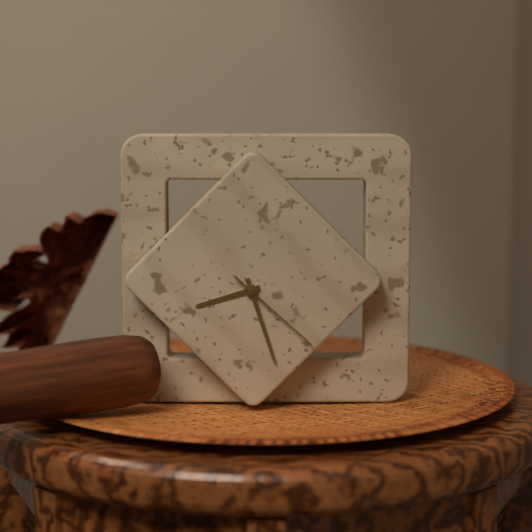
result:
{"hour": 8, "minute": 27, "second": 22}
